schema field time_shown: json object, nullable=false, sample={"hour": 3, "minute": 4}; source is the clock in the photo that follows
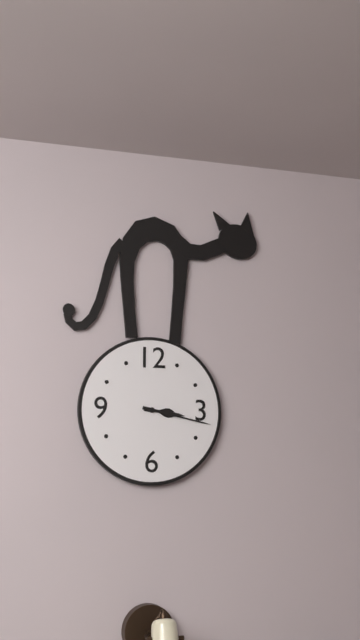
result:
{"hour": 3, "minute": 17}
